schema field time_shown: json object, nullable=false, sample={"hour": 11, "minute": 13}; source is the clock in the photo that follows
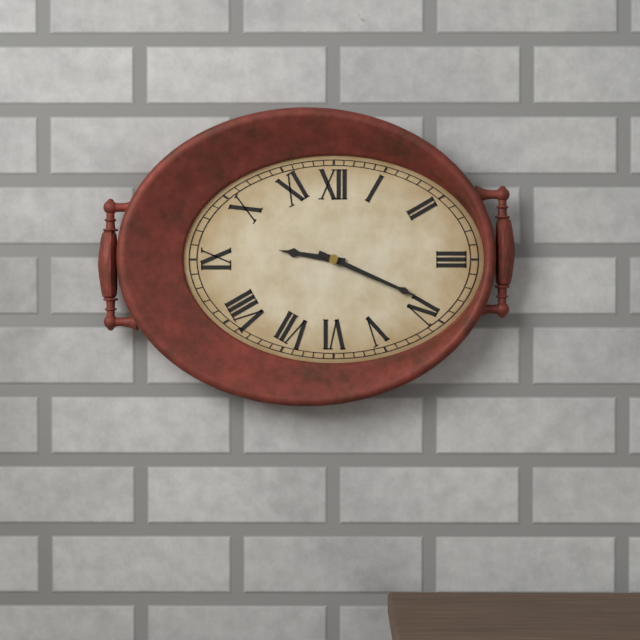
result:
{"hour": 9, "minute": 19}
